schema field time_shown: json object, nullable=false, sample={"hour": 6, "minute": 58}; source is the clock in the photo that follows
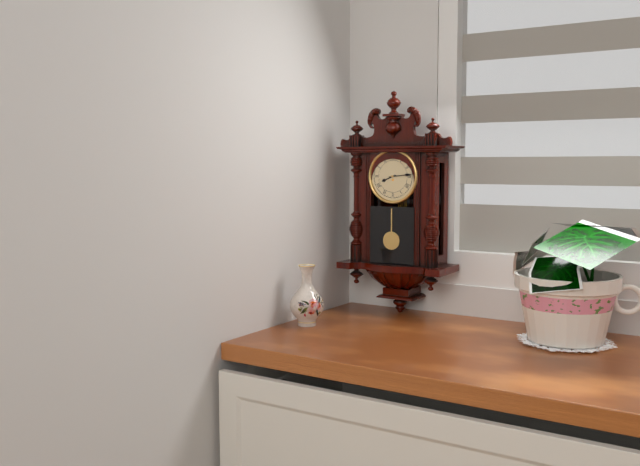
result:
{"hour": 8, "minute": 14}
